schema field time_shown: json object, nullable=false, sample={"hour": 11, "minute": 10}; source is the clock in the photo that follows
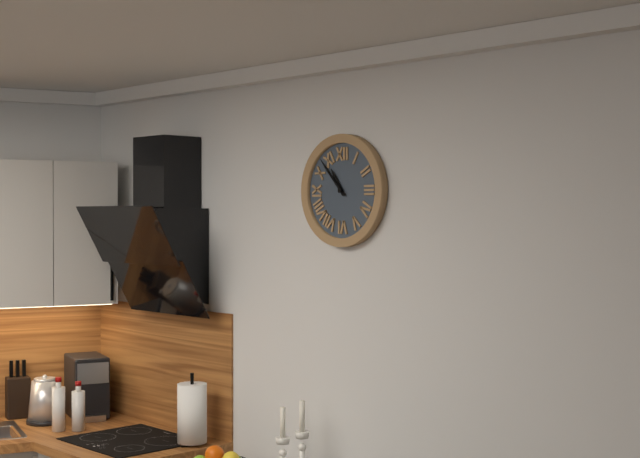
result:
{"hour": 10, "minute": 53}
